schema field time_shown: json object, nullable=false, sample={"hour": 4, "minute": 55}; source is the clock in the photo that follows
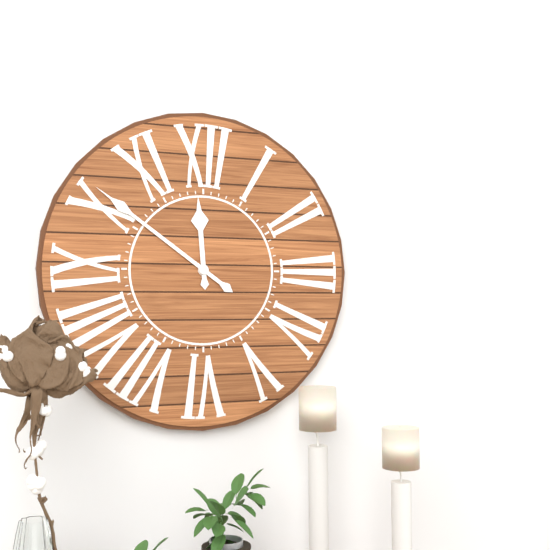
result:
{"hour": 11, "minute": 51}
